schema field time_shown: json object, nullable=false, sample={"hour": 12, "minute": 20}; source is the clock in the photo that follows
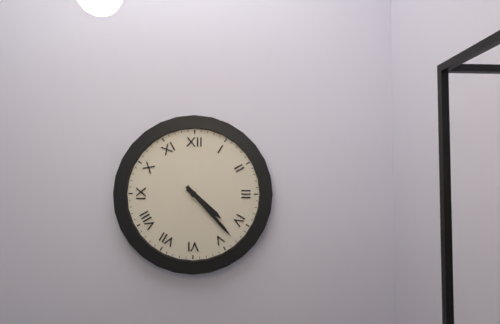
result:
{"hour": 4, "minute": 23}
